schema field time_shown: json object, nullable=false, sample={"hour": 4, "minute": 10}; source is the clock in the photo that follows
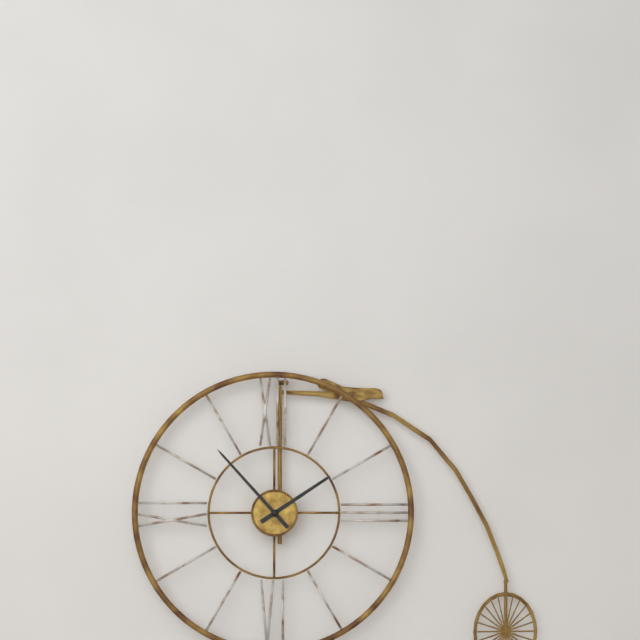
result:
{"hour": 1, "minute": 53}
